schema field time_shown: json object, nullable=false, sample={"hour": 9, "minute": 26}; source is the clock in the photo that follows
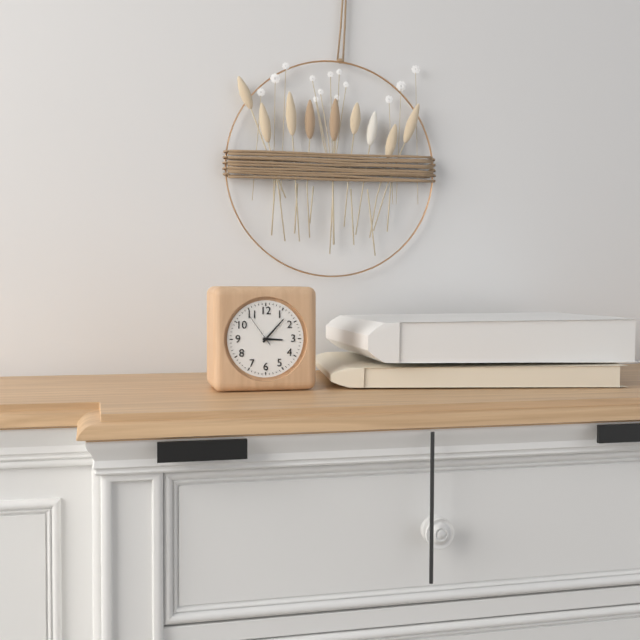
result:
{"hour": 3, "minute": 7}
